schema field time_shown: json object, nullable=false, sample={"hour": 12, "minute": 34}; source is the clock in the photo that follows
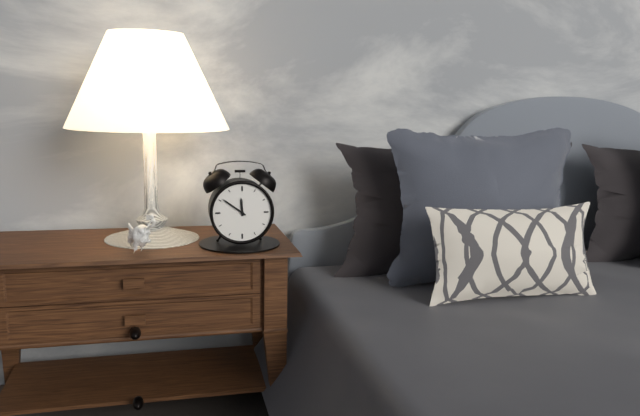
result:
{"hour": 11, "minute": 51}
